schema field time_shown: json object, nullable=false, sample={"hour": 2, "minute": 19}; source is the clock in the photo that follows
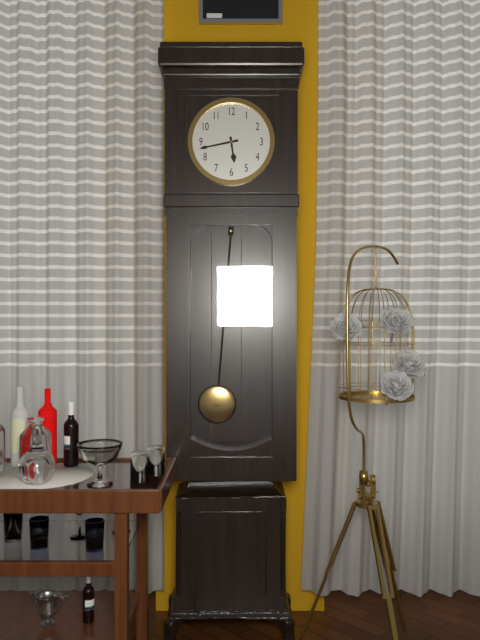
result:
{"hour": 5, "minute": 43}
